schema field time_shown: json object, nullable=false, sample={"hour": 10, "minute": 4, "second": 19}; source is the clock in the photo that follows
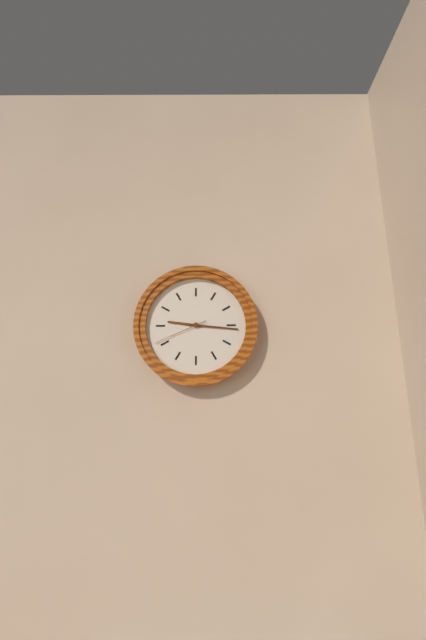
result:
{"hour": 9, "minute": 16, "second": 41}
